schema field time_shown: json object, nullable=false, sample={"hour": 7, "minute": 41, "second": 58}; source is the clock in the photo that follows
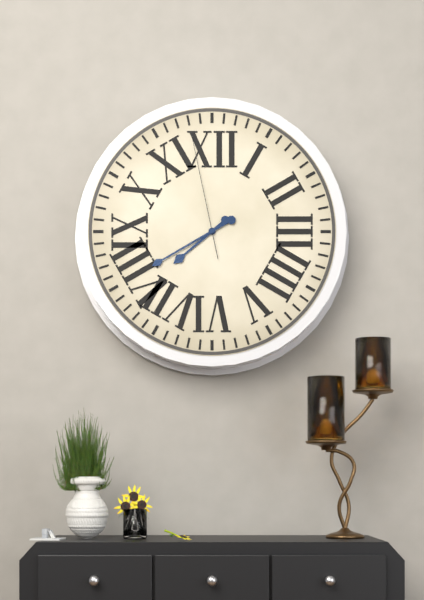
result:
{"hour": 7, "minute": 40, "second": 58}
